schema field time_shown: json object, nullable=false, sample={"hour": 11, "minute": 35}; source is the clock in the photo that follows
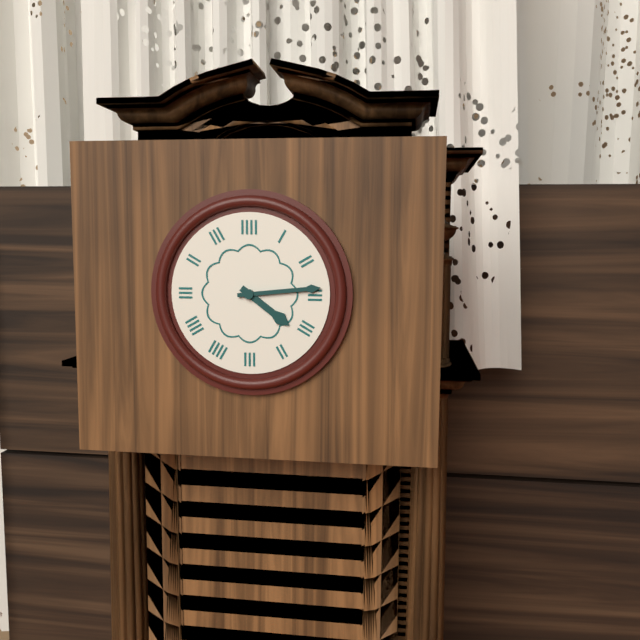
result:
{"hour": 4, "minute": 14}
